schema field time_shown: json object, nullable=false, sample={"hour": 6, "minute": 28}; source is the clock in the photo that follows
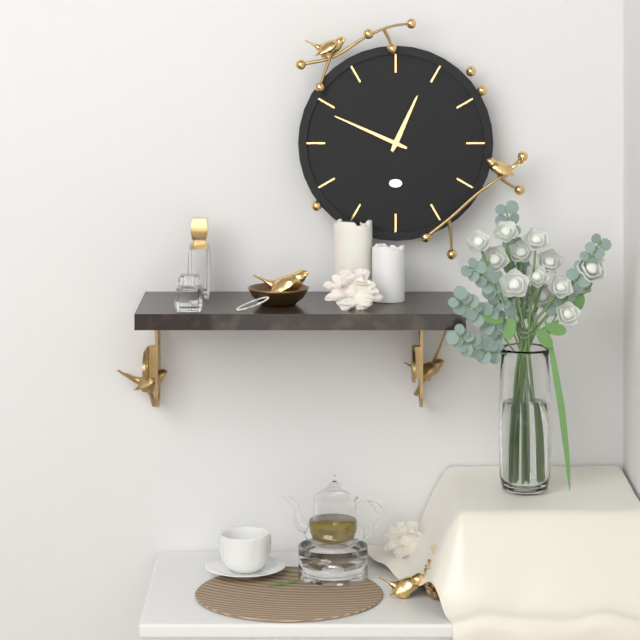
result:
{"hour": 12, "minute": 49}
